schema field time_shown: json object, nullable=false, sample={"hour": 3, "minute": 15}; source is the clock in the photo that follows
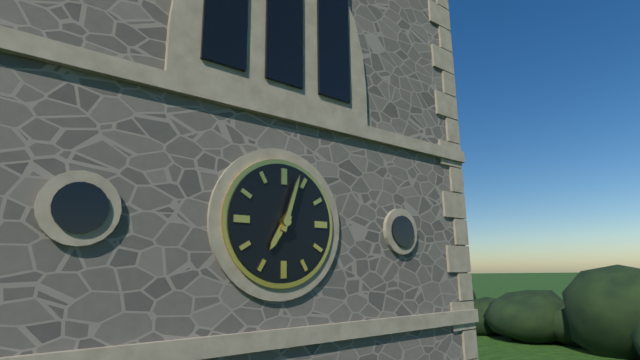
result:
{"hour": 7, "minute": 3}
